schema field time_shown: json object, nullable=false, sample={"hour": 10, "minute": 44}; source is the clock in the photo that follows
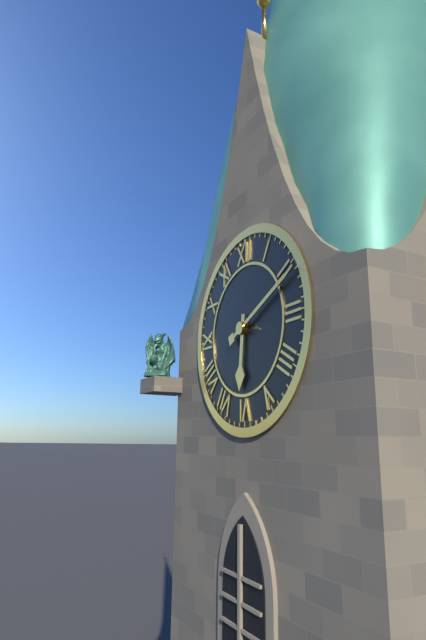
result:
{"hour": 6, "minute": 11}
